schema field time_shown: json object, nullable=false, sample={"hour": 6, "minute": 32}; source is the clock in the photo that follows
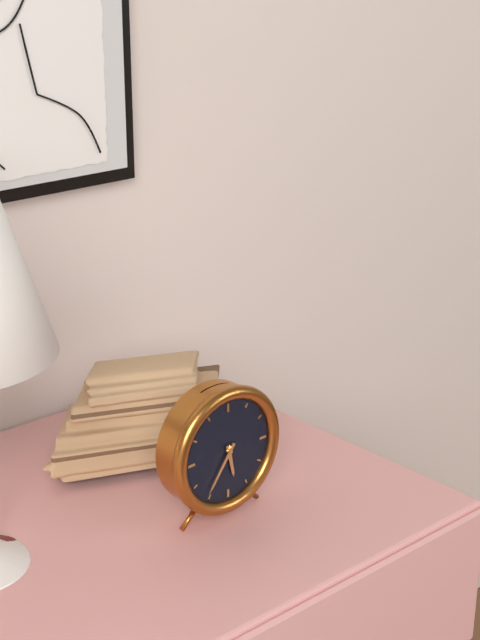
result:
{"hour": 5, "minute": 36}
